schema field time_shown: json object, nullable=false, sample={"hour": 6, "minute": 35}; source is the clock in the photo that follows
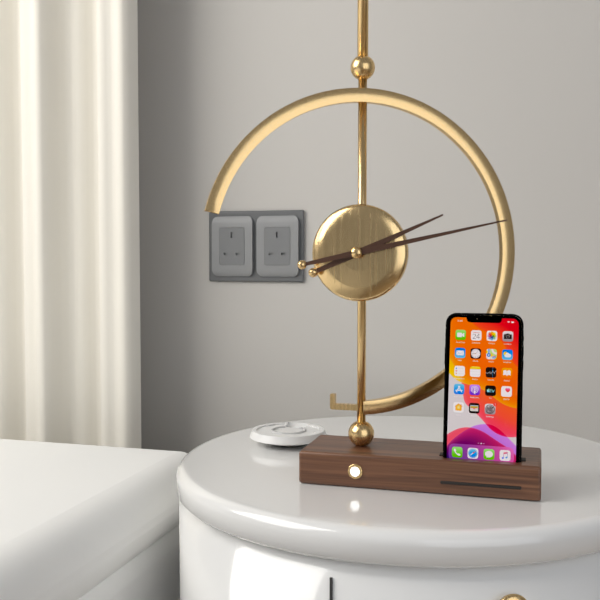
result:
{"hour": 2, "minute": 13}
